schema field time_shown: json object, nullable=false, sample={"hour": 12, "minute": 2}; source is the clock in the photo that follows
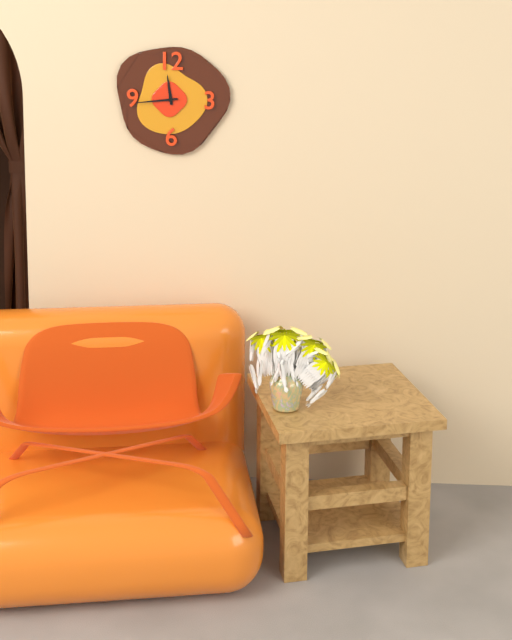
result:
{"hour": 11, "minute": 44}
